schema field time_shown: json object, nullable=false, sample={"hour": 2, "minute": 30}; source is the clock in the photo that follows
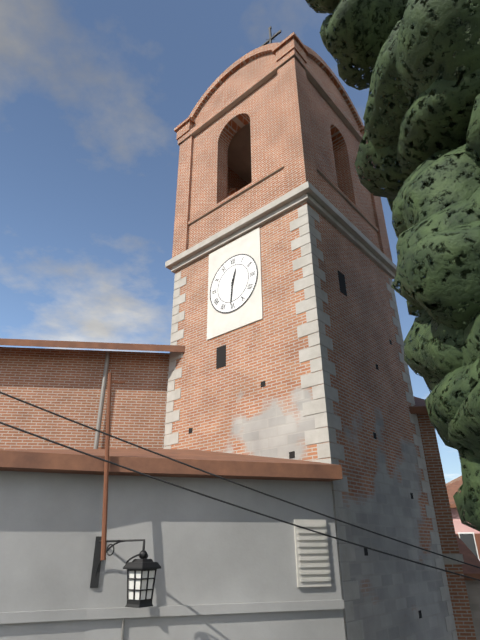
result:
{"hour": 12, "minute": 31}
